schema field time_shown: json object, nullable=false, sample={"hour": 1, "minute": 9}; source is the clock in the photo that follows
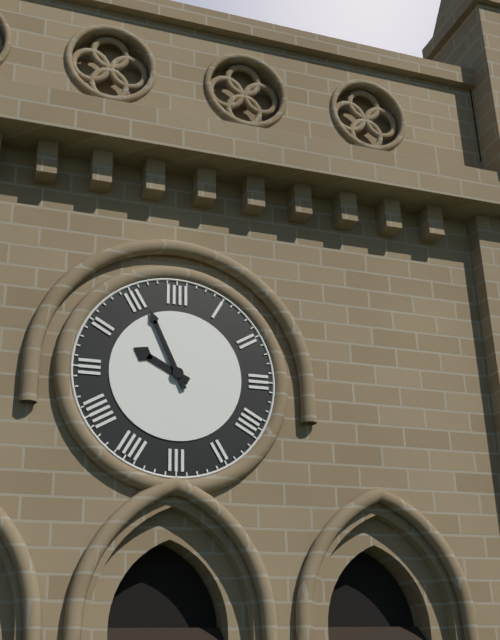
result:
{"hour": 9, "minute": 56}
